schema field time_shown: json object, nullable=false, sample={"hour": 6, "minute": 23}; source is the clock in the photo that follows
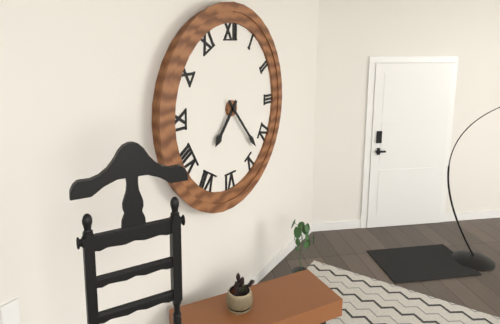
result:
{"hour": 7, "minute": 23}
